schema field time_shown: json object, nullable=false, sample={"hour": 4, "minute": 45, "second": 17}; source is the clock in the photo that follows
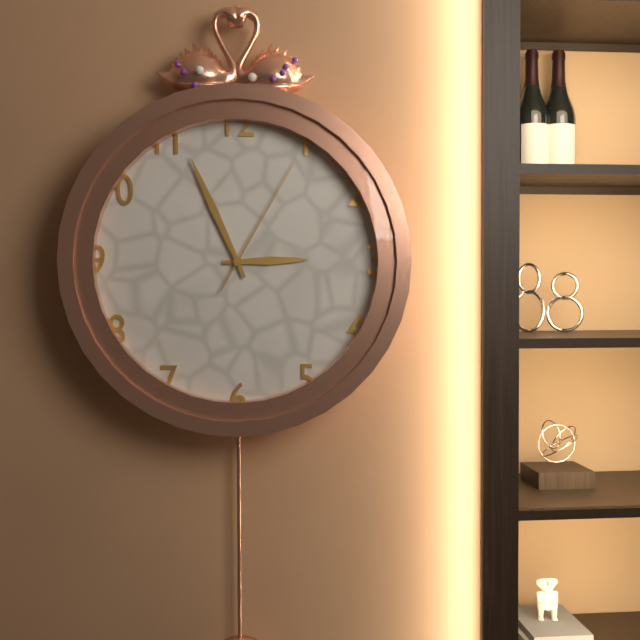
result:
{"hour": 2, "minute": 56, "second": 5}
